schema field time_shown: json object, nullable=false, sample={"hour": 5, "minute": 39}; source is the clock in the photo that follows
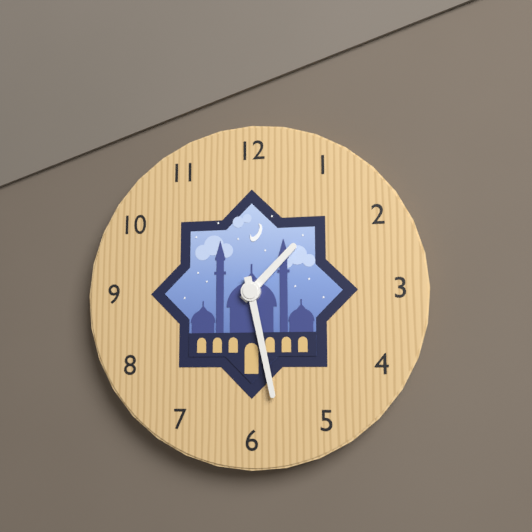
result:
{"hour": 1, "minute": 28}
